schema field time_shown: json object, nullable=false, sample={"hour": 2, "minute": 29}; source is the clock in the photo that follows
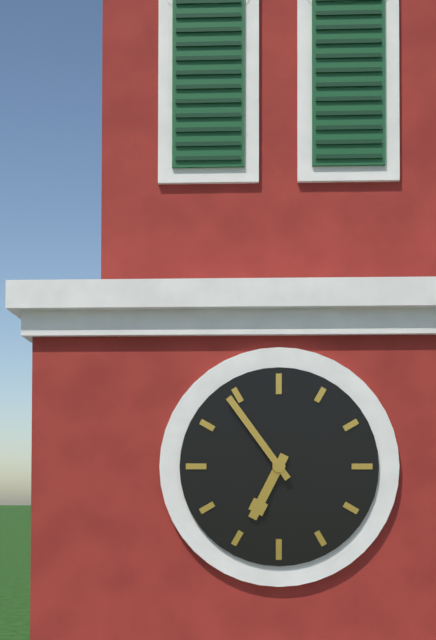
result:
{"hour": 6, "minute": 54}
